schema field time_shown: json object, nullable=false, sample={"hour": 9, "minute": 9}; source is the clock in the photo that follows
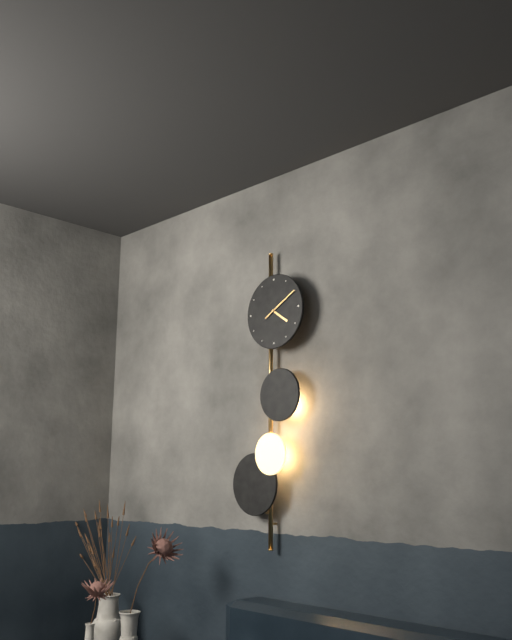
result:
{"hour": 4, "minute": 10}
